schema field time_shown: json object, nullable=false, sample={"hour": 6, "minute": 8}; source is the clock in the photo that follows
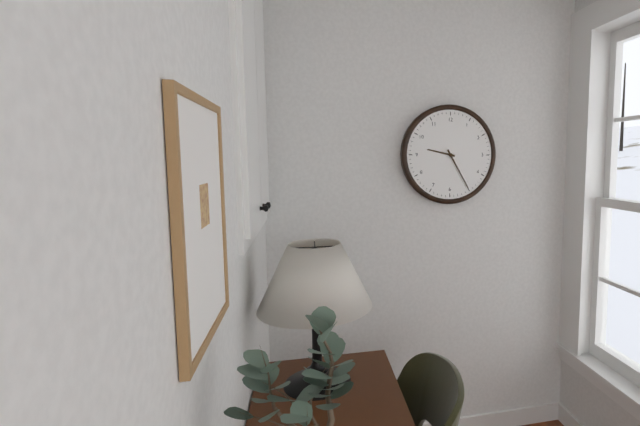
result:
{"hour": 9, "minute": 25}
